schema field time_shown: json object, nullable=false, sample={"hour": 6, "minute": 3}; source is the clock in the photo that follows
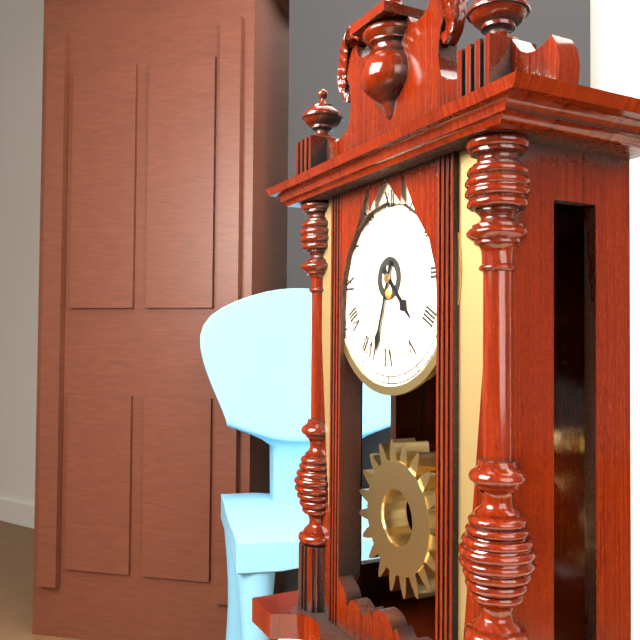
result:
{"hour": 4, "minute": 33}
